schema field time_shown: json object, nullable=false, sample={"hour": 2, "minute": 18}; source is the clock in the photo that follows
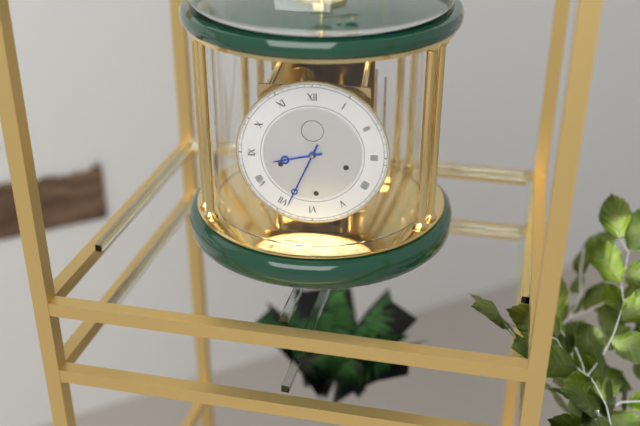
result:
{"hour": 8, "minute": 34}
